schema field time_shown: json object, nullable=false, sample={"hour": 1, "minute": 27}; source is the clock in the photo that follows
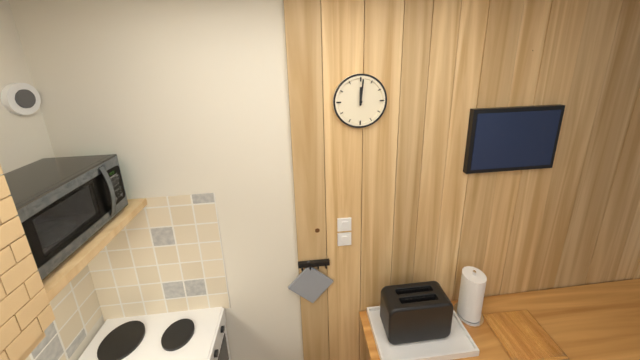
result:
{"hour": 12, "minute": 1}
